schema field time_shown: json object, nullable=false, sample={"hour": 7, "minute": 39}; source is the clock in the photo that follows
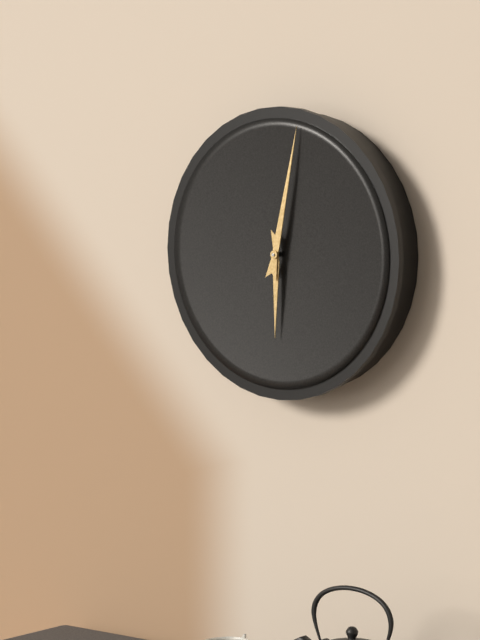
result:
{"hour": 6, "minute": 2}
